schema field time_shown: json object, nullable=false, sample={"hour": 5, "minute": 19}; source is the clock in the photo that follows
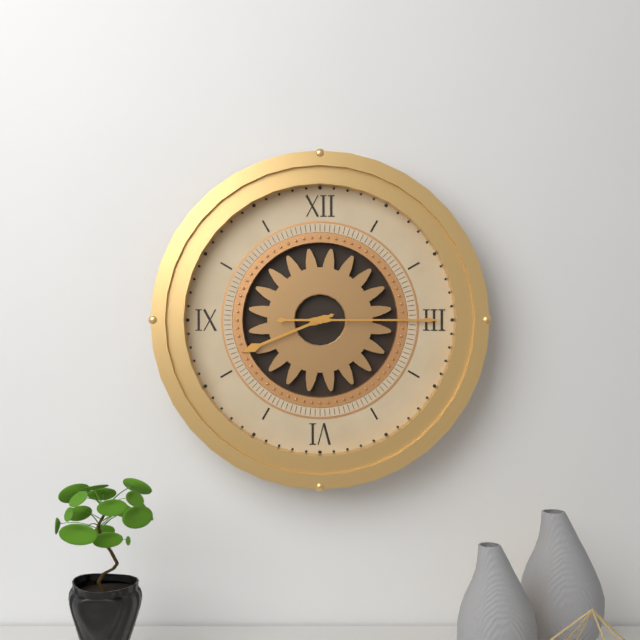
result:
{"hour": 8, "minute": 15}
